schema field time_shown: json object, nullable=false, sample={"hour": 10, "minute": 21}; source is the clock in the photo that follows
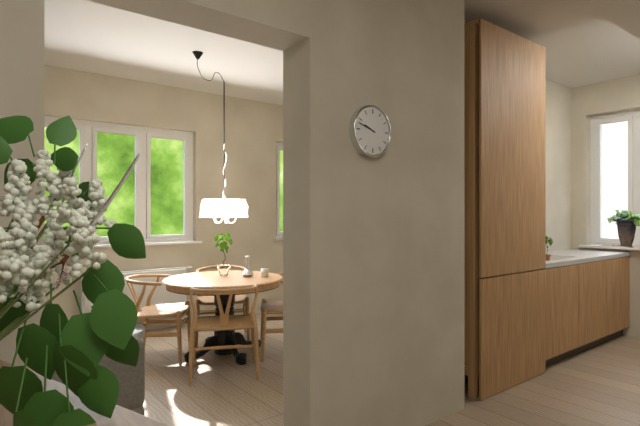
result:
{"hour": 9, "minute": 48}
